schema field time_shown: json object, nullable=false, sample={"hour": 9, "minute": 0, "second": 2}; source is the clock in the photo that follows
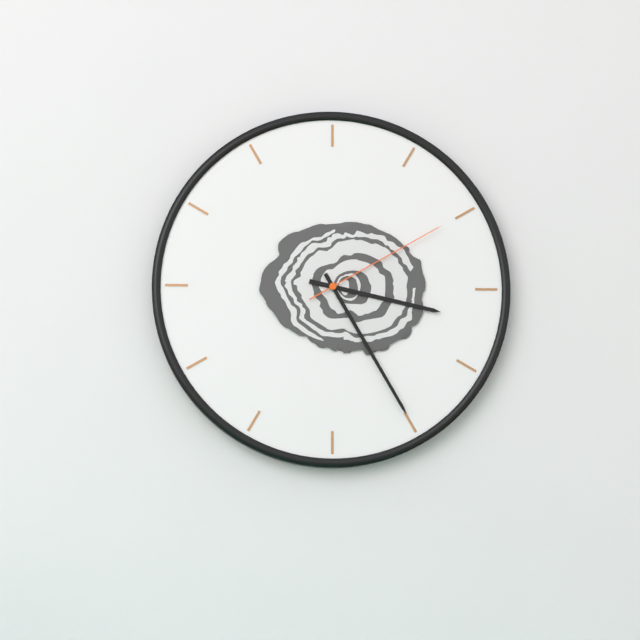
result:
{"hour": 3, "minute": 25, "second": 10}
